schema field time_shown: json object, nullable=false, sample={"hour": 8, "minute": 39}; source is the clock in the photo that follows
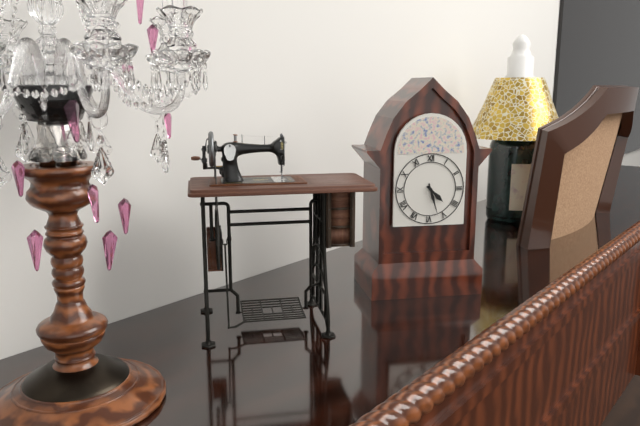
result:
{"hour": 4, "minute": 27}
